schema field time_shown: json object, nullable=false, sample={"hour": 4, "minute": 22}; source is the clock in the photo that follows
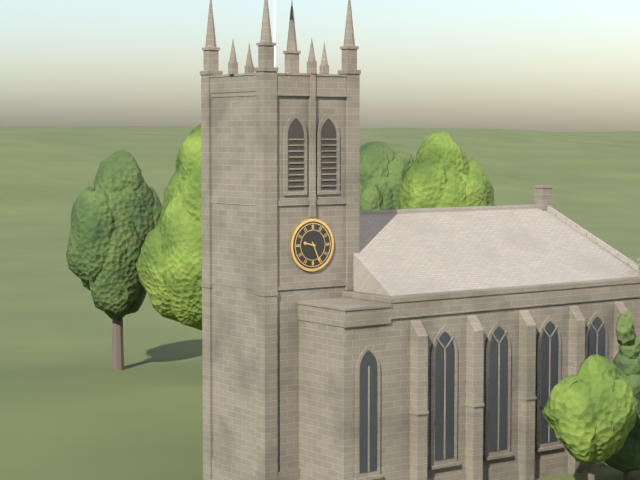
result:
{"hour": 9, "minute": 26}
